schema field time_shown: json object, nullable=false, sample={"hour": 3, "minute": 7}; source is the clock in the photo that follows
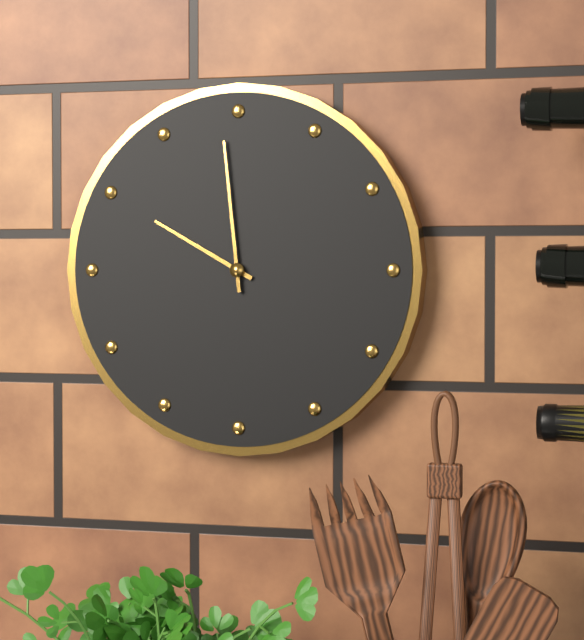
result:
{"hour": 9, "minute": 59}
